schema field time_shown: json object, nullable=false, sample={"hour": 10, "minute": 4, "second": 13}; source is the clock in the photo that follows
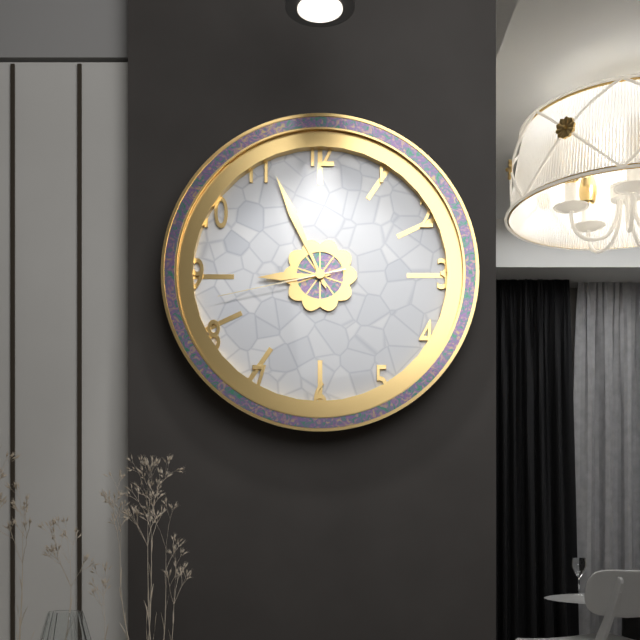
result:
{"hour": 8, "minute": 56, "second": 43}
